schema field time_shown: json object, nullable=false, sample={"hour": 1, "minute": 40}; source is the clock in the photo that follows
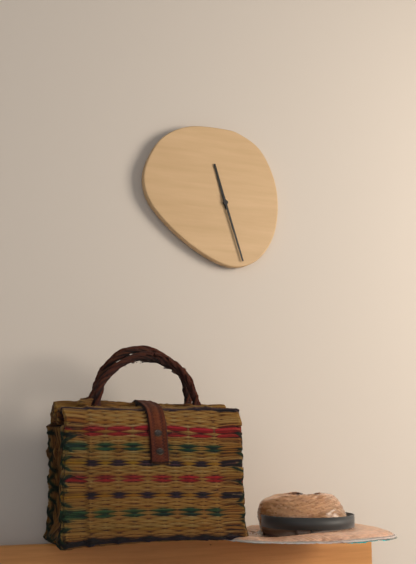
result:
{"hour": 11, "minute": 27}
